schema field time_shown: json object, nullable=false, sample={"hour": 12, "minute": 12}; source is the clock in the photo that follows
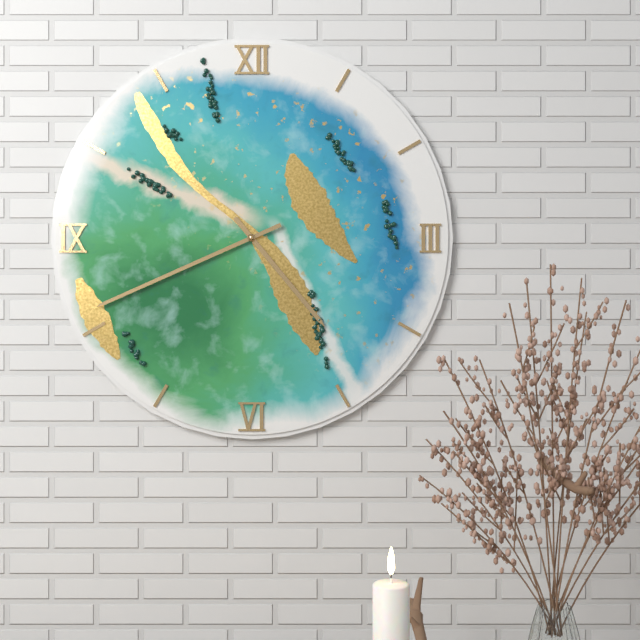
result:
{"hour": 4, "minute": 41}
